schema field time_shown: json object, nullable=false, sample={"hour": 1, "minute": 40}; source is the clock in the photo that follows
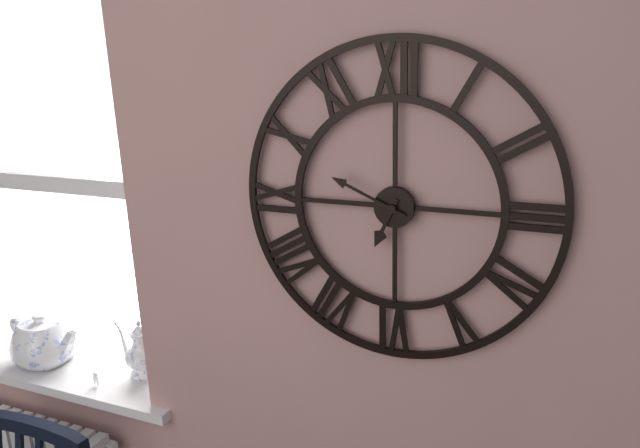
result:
{"hour": 6, "minute": 49}
